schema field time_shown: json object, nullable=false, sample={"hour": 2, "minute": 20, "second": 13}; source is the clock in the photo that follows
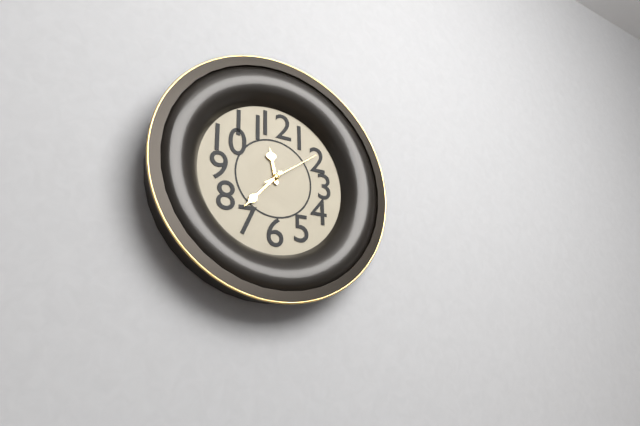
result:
{"hour": 11, "minute": 37, "second": 9}
